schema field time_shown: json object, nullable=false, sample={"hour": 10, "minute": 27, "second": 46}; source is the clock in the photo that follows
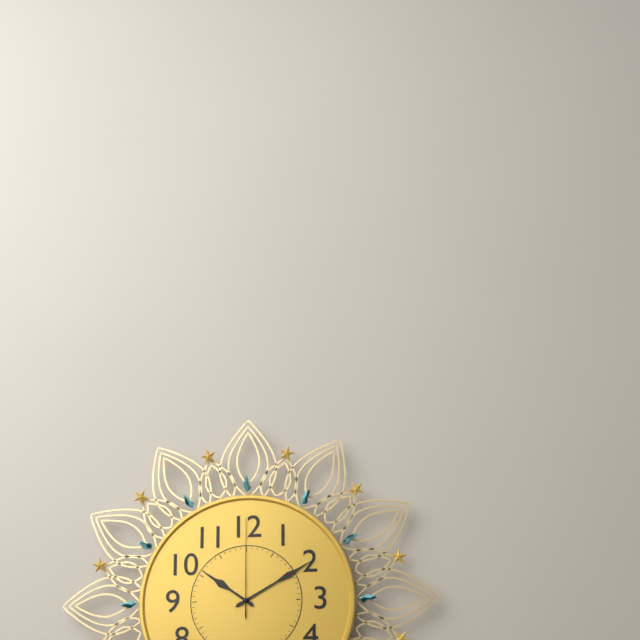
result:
{"hour": 10, "minute": 10, "second": 0}
